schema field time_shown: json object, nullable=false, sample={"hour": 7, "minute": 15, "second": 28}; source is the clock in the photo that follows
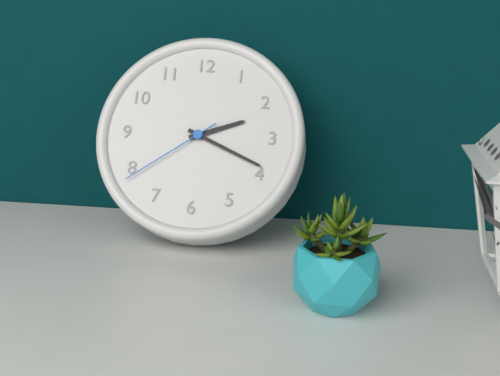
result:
{"hour": 2, "minute": 19, "second": 39}
